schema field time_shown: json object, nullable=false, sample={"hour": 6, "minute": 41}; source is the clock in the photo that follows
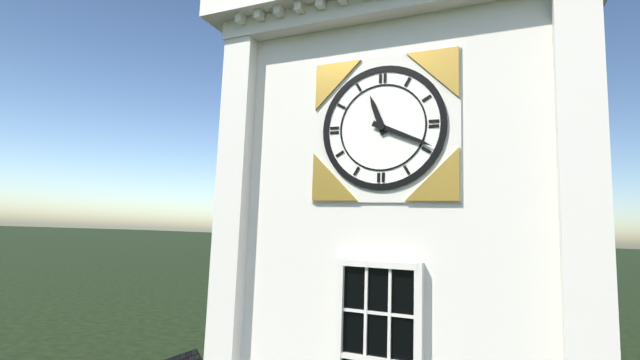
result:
{"hour": 11, "minute": 19}
